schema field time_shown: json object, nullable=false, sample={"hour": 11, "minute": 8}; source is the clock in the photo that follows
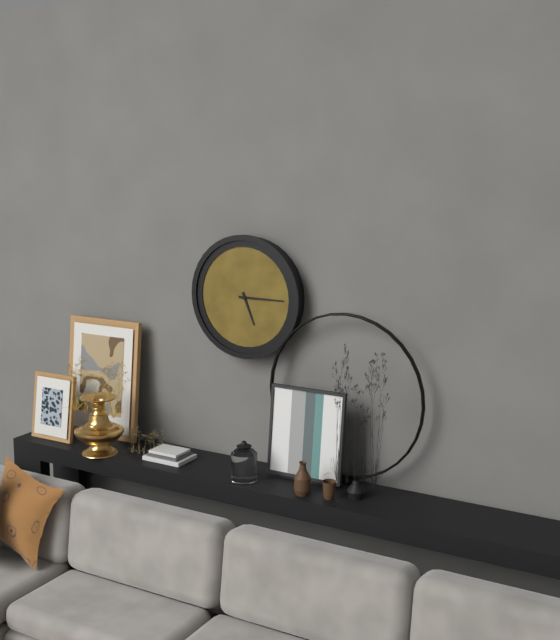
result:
{"hour": 5, "minute": 15}
